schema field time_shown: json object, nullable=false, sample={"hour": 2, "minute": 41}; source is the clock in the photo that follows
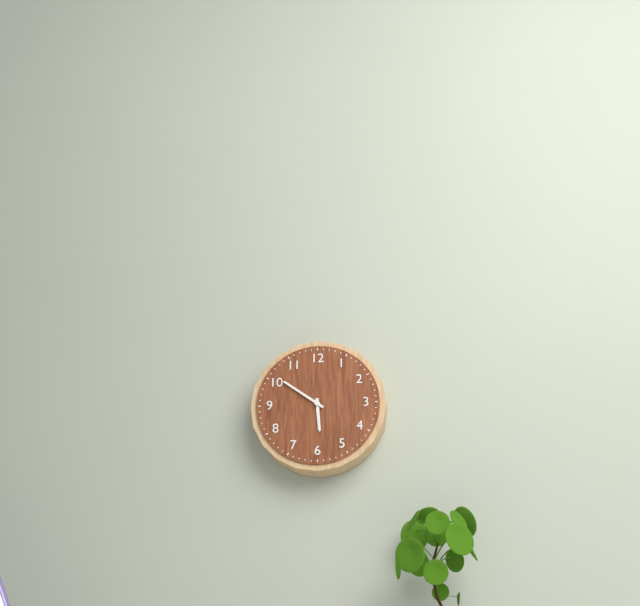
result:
{"hour": 5, "minute": 51}
